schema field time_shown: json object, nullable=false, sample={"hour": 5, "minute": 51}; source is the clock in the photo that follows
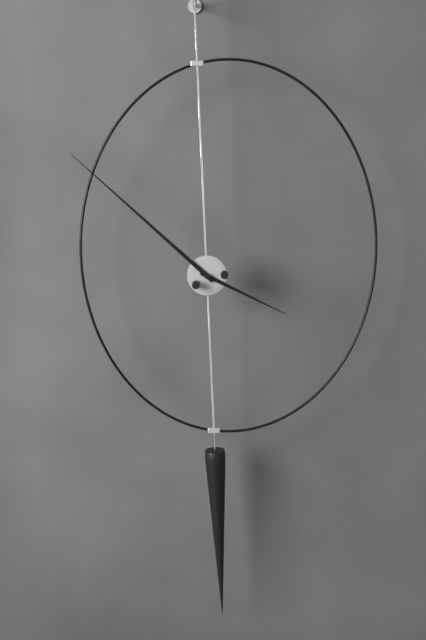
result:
{"hour": 3, "minute": 52}
